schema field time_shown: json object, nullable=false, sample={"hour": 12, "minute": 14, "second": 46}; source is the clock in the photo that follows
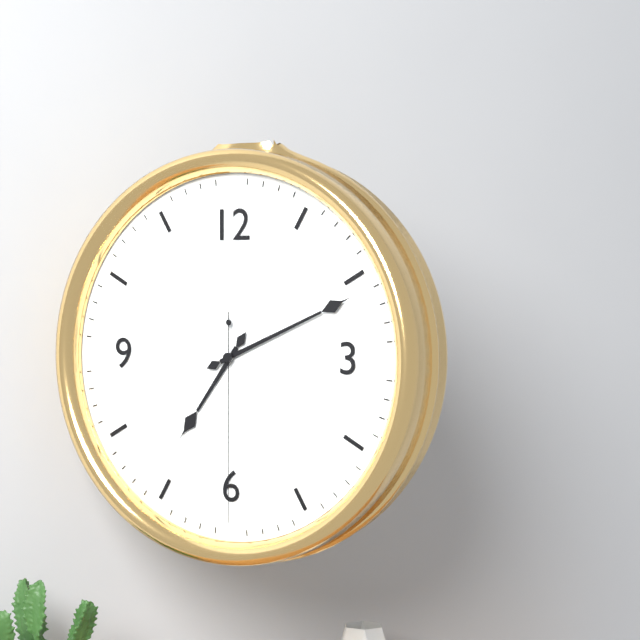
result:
{"hour": 7, "minute": 11, "second": 30}
